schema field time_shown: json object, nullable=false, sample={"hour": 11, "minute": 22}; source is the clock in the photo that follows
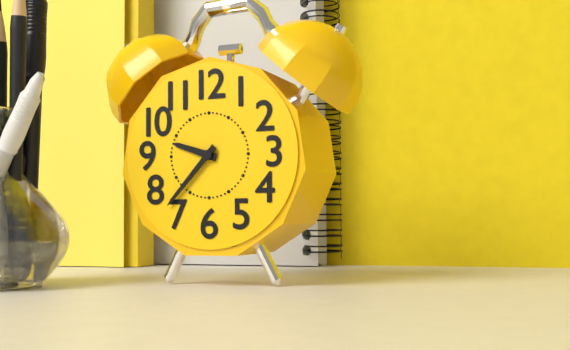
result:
{"hour": 9, "minute": 37}
